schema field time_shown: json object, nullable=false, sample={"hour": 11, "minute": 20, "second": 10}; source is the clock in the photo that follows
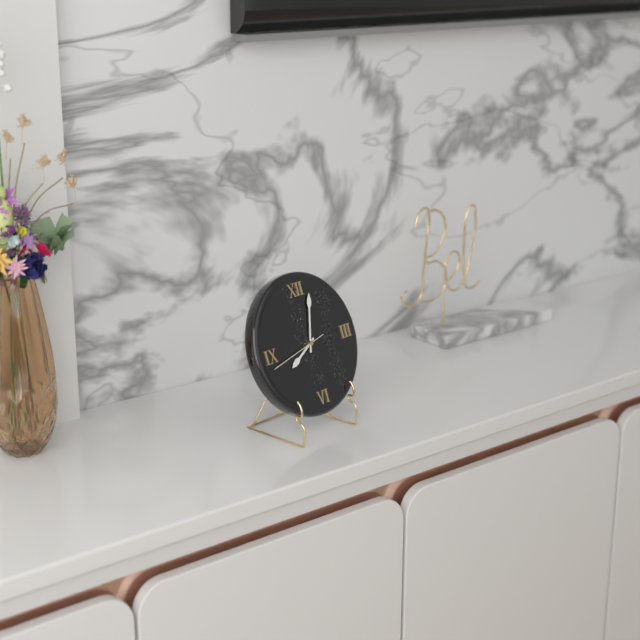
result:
{"hour": 8, "minute": 3, "second": 43}
